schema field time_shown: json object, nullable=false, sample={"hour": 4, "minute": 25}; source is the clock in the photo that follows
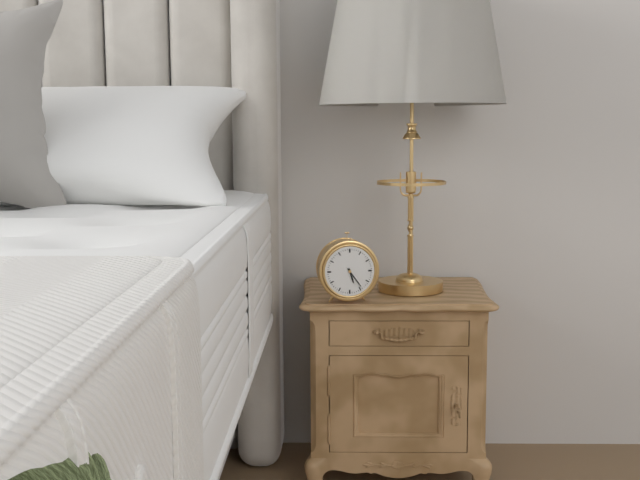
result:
{"hour": 5, "minute": 24}
